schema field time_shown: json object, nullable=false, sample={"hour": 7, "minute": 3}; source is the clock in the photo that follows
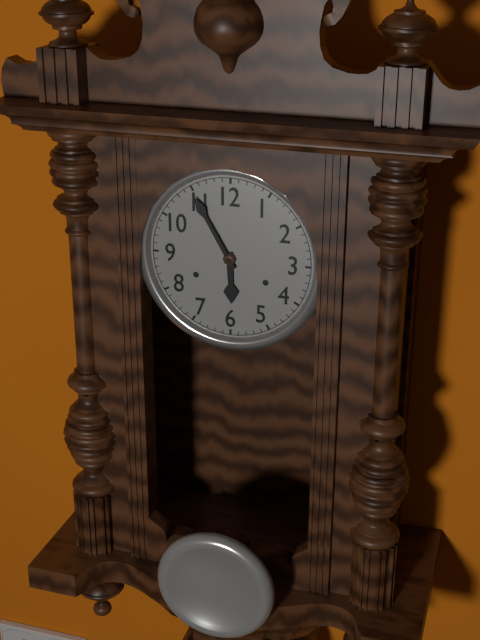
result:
{"hour": 5, "minute": 55}
